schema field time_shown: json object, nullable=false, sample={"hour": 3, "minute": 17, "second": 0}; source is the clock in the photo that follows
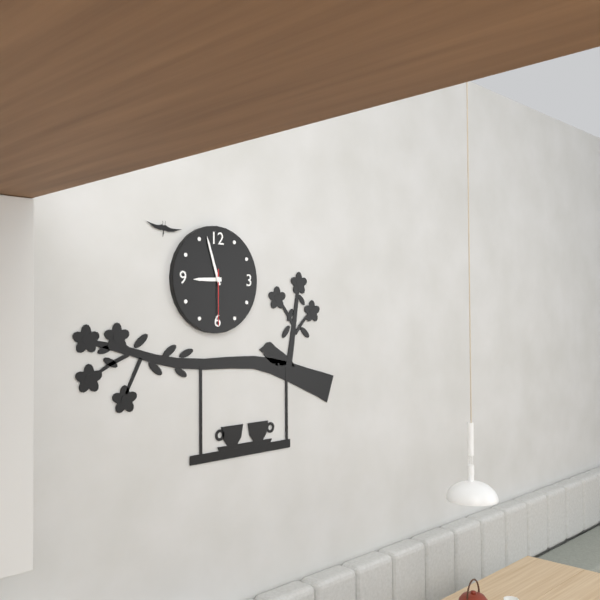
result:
{"hour": 8, "minute": 57, "second": 30}
